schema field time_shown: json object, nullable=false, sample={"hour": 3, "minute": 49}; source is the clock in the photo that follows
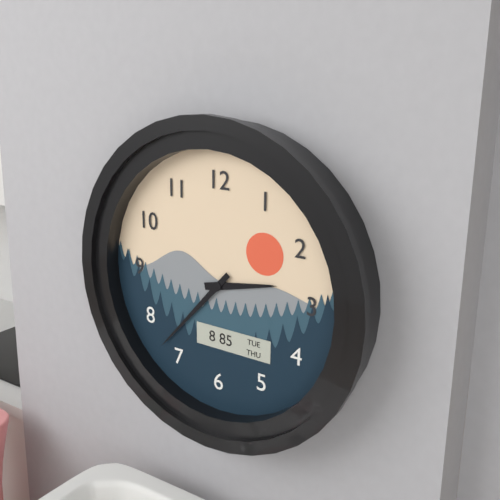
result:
{"hour": 2, "minute": 37}
